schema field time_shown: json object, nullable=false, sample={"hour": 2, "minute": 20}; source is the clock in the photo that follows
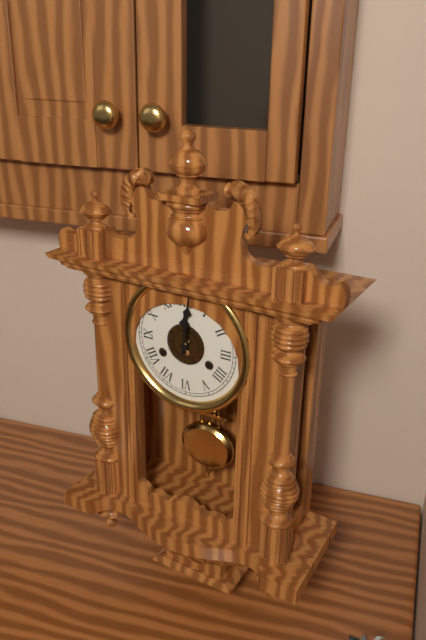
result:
{"hour": 12, "minute": 1}
